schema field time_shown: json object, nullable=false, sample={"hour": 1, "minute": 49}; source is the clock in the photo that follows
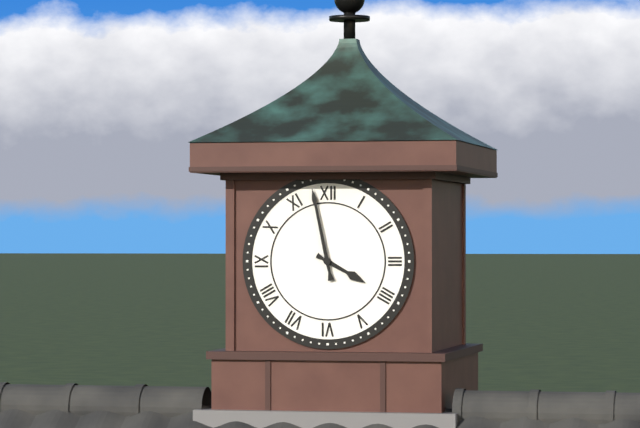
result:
{"hour": 3, "minute": 58}
